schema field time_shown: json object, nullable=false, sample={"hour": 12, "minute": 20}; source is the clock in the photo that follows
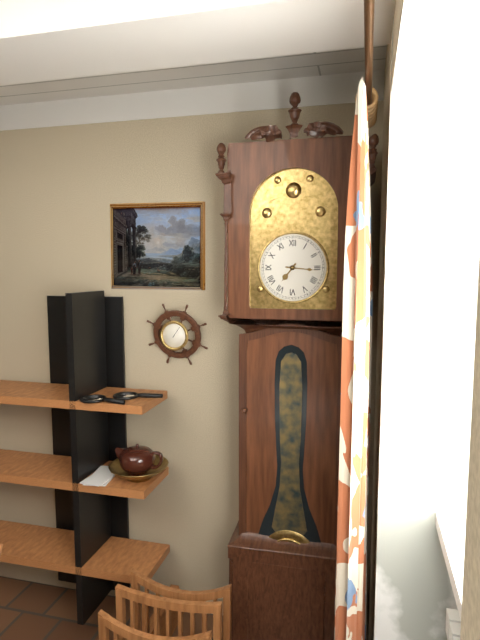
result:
{"hour": 7, "minute": 16}
